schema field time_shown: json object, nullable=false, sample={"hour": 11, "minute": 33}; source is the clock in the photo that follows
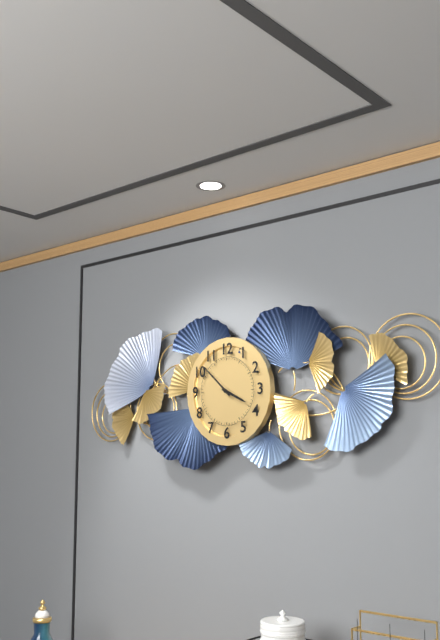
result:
{"hour": 3, "minute": 52}
